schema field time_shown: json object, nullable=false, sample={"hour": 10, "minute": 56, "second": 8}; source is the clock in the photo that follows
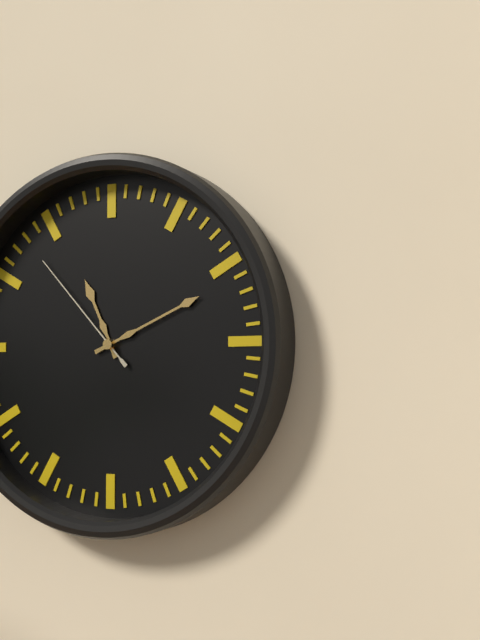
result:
{"hour": 11, "minute": 11, "second": 53}
